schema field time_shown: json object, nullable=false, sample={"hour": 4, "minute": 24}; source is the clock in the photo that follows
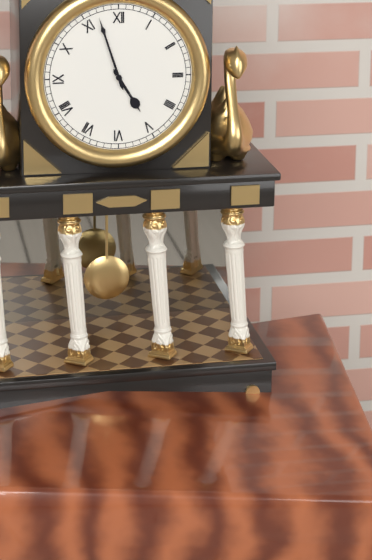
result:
{"hour": 4, "minute": 57}
